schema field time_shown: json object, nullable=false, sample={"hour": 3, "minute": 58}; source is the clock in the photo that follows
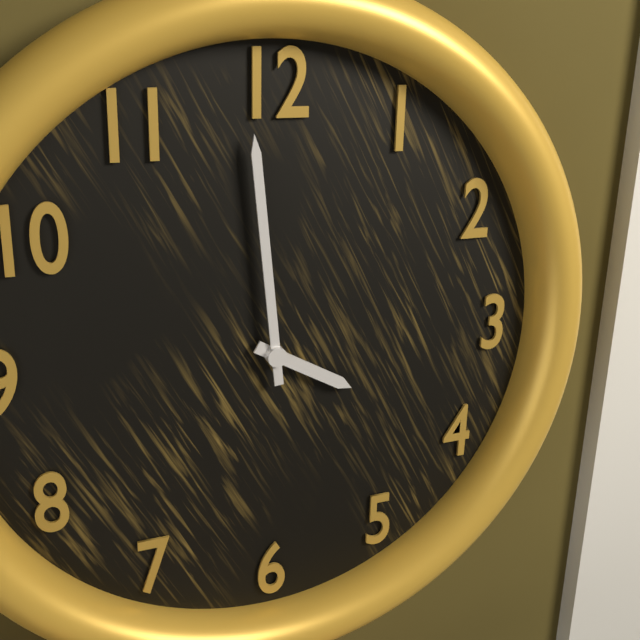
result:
{"hour": 3, "minute": 59}
